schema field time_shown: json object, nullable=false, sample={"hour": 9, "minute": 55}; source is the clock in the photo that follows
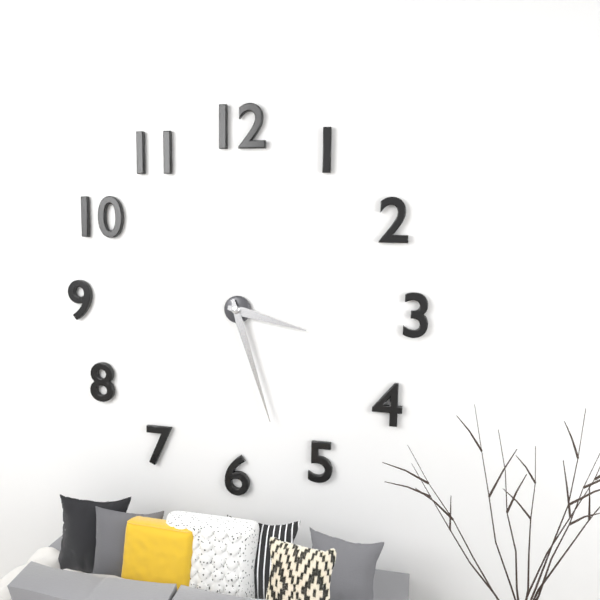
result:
{"hour": 3, "minute": 27}
